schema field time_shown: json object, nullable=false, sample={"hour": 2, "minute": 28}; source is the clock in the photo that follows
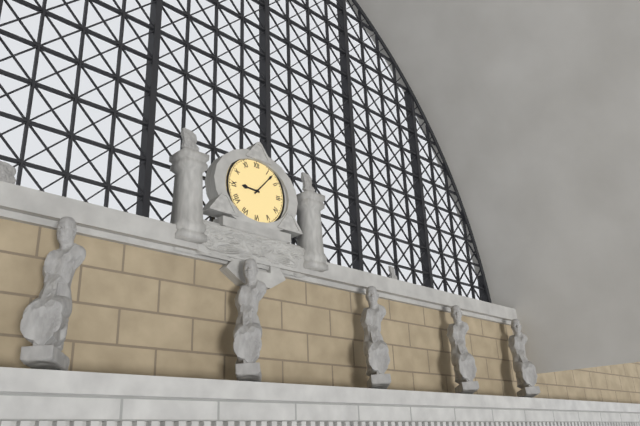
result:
{"hour": 9, "minute": 7}
